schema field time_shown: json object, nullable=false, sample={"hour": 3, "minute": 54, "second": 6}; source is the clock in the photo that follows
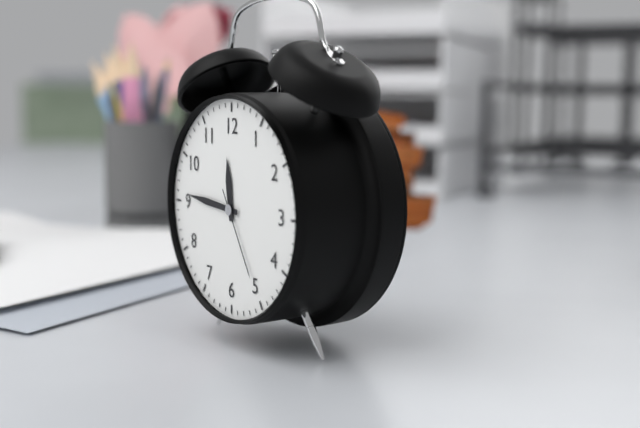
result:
{"hour": 11, "minute": 46, "second": 25}
